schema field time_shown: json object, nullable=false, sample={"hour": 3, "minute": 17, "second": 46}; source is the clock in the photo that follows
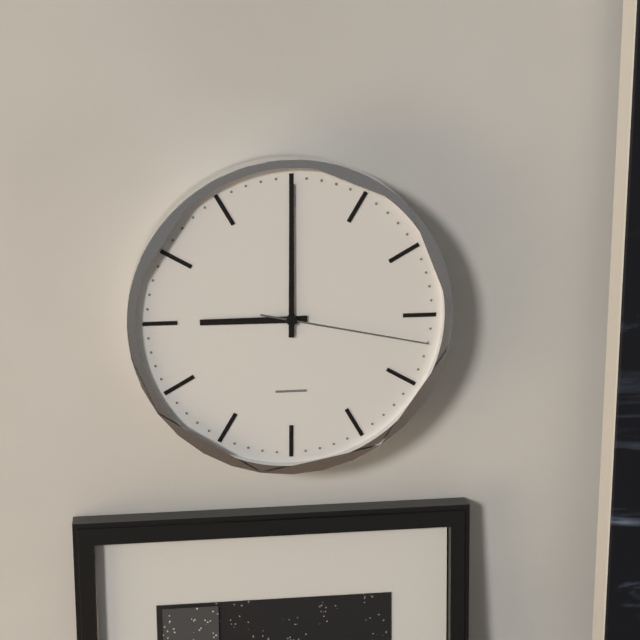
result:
{"hour": 9, "minute": 0, "second": 17}
